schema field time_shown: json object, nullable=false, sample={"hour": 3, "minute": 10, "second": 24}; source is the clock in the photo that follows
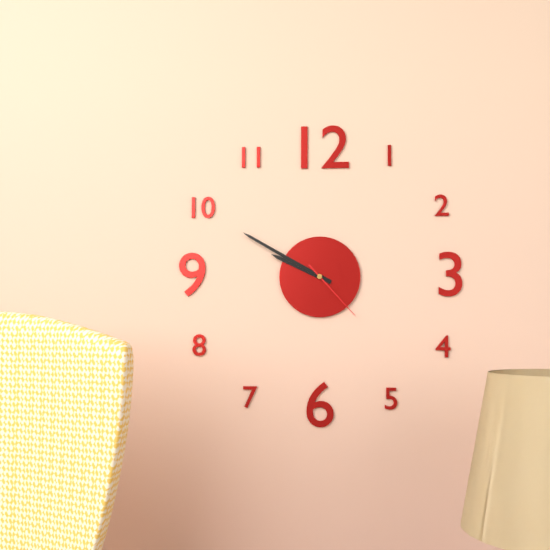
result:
{"hour": 9, "minute": 50, "second": 23}
